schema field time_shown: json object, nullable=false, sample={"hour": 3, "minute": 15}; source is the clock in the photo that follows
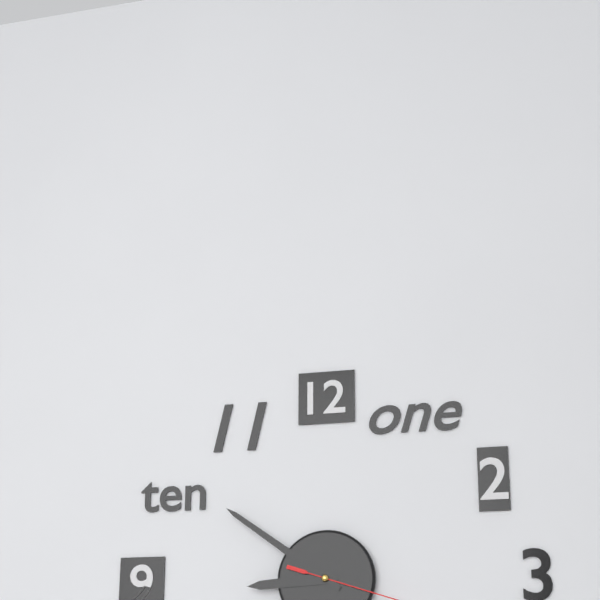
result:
{"hour": 8, "minute": 51}
